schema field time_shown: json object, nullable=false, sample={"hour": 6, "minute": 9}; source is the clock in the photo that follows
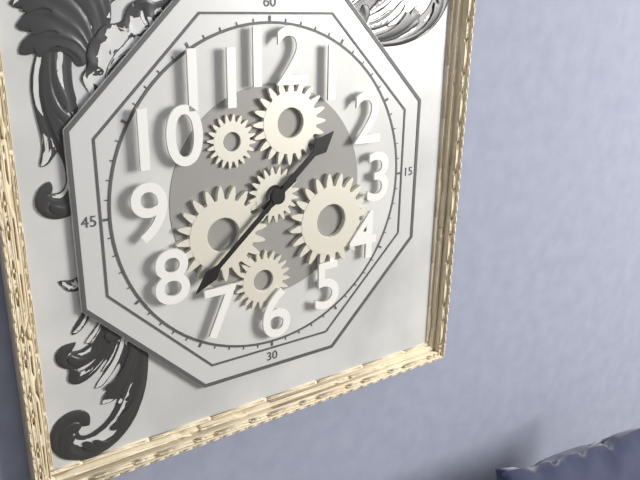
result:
{"hour": 1, "minute": 38}
